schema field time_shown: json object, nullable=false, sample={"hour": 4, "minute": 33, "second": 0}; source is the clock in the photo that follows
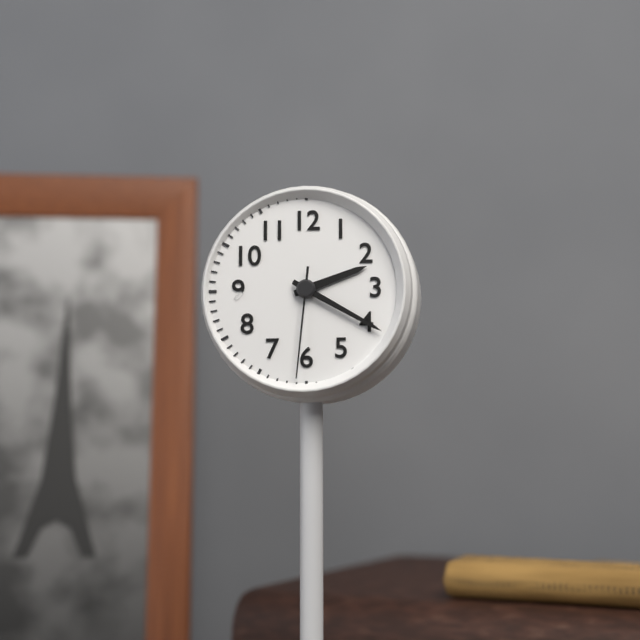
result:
{"hour": 2, "minute": 20, "second": 31}
